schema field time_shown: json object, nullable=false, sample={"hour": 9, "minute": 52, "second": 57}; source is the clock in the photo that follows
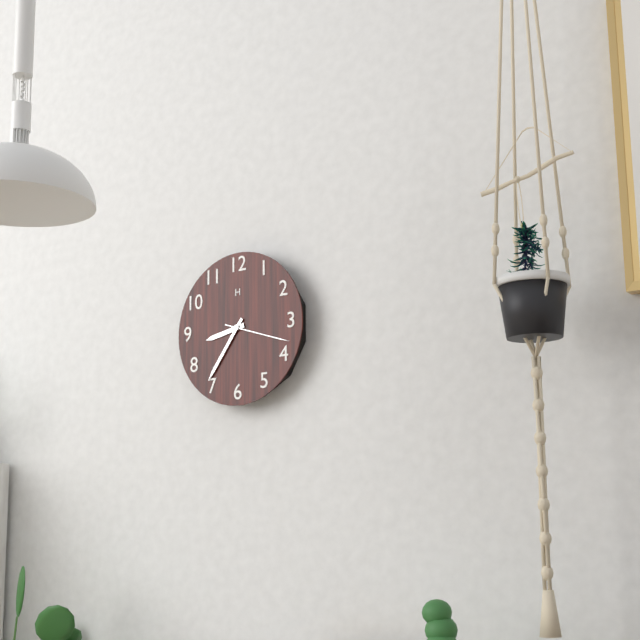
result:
{"hour": 8, "minute": 36, "second": 18}
